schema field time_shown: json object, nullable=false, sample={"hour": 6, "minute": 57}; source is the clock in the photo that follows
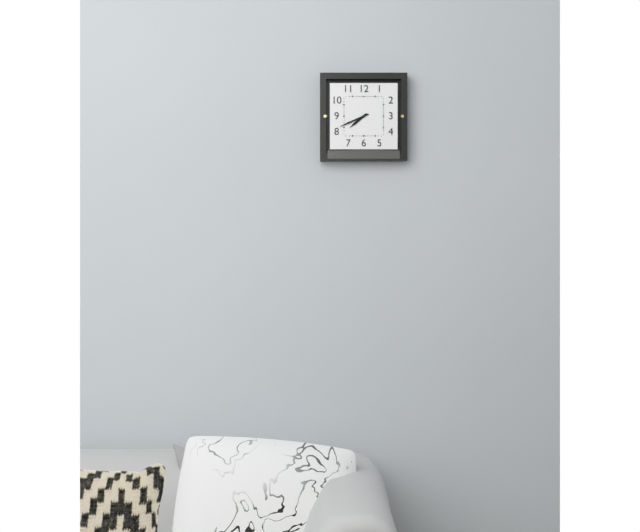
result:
{"hour": 7, "minute": 41}
